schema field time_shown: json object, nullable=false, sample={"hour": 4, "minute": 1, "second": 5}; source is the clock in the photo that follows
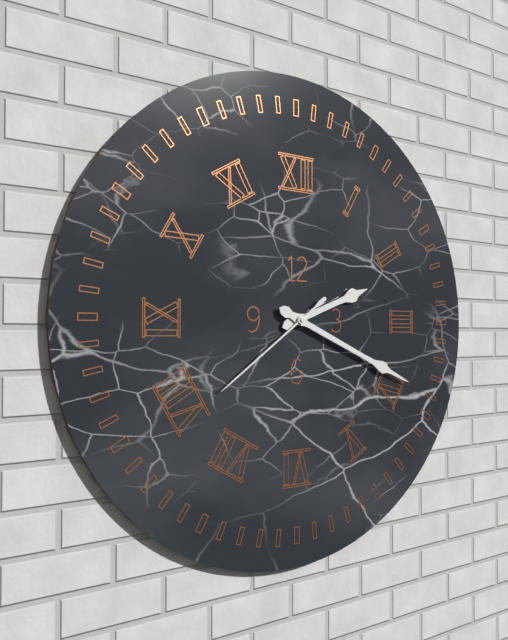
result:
{"hour": 2, "minute": 19, "second": 39}
